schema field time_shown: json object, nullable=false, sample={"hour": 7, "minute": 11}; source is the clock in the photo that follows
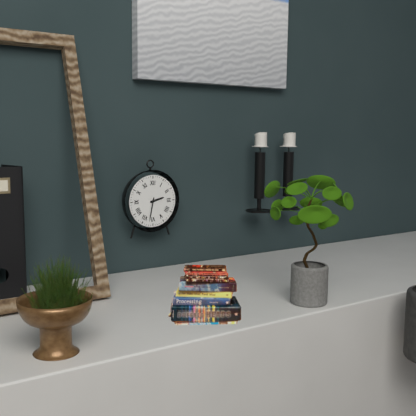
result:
{"hour": 2, "minute": 32}
